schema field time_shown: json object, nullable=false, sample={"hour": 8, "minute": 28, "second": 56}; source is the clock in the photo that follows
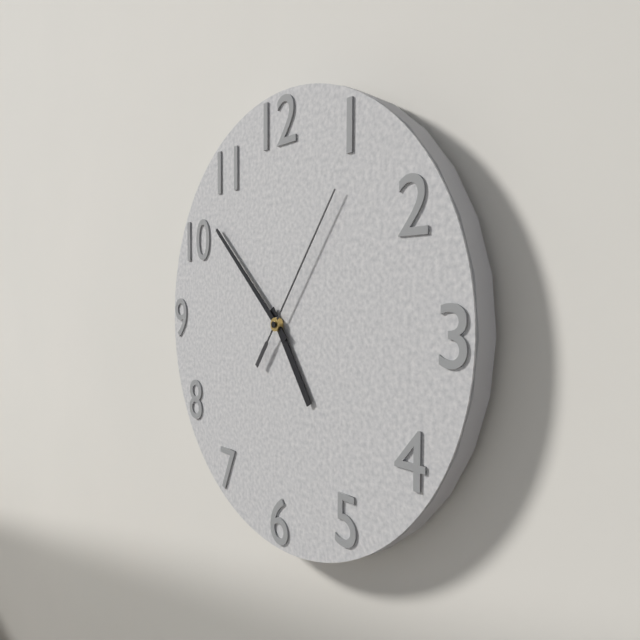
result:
{"hour": 4, "minute": 52, "second": 6}
